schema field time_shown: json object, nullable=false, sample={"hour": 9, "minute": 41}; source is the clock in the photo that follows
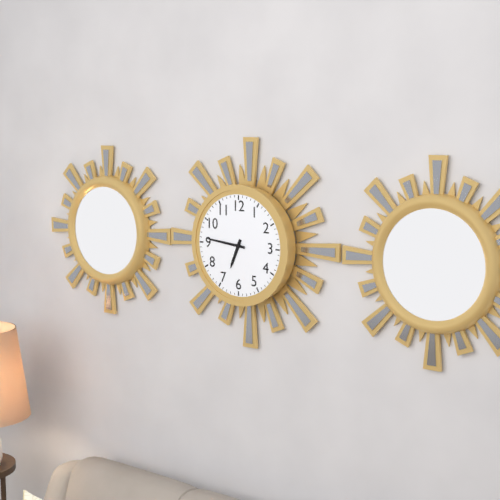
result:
{"hour": 6, "minute": 46}
